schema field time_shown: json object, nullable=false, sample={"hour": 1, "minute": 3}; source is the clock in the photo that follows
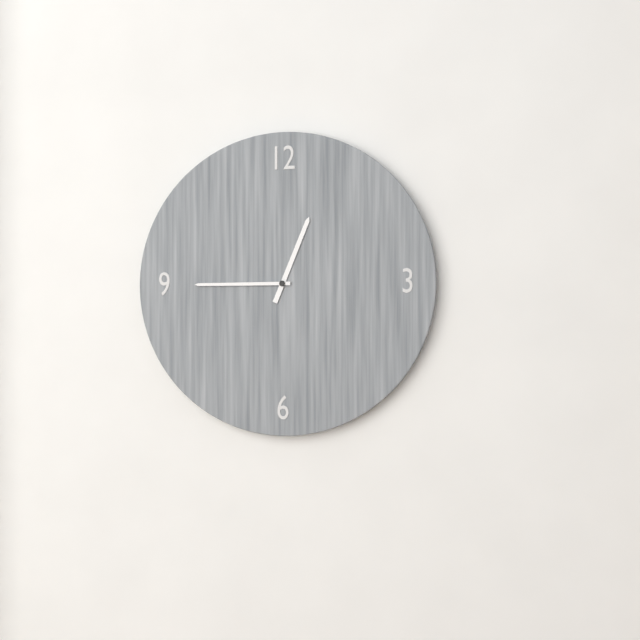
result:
{"hour": 12, "minute": 45}
